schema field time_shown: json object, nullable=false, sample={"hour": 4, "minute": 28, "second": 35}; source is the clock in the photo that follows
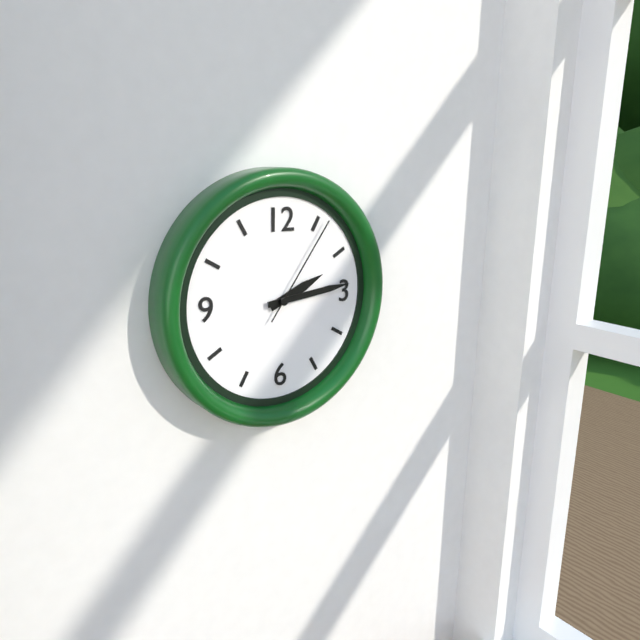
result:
{"hour": 2, "minute": 14, "second": 6}
